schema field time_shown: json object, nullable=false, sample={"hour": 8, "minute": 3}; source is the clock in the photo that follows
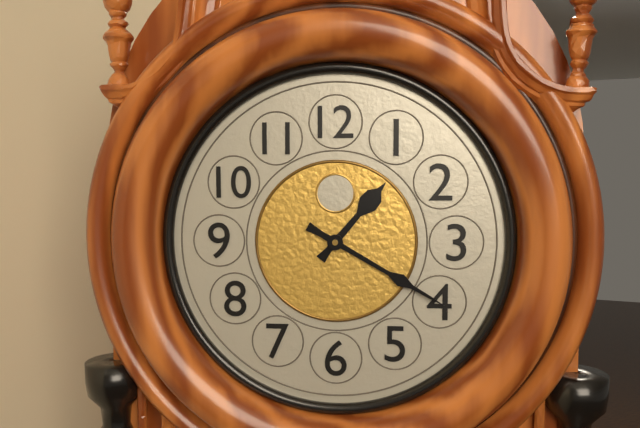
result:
{"hour": 1, "minute": 20}
